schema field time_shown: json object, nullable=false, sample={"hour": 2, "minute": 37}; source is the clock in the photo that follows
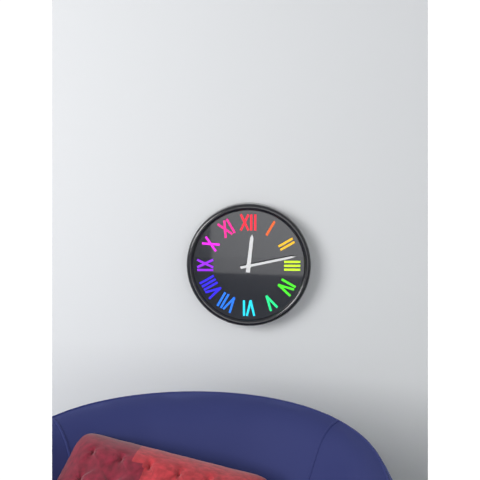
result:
{"hour": 12, "minute": 13}
